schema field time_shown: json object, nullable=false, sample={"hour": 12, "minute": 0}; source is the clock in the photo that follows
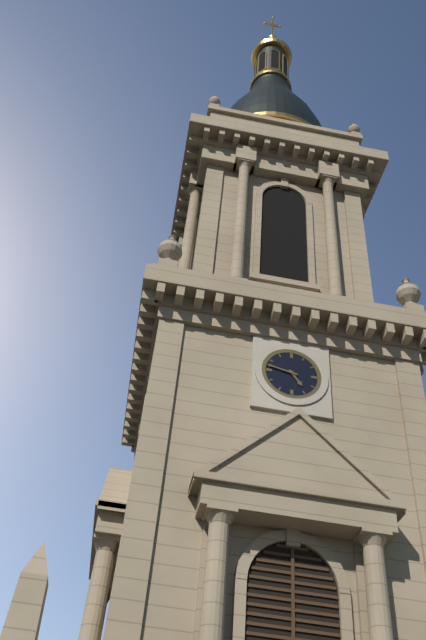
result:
{"hour": 4, "minute": 47}
